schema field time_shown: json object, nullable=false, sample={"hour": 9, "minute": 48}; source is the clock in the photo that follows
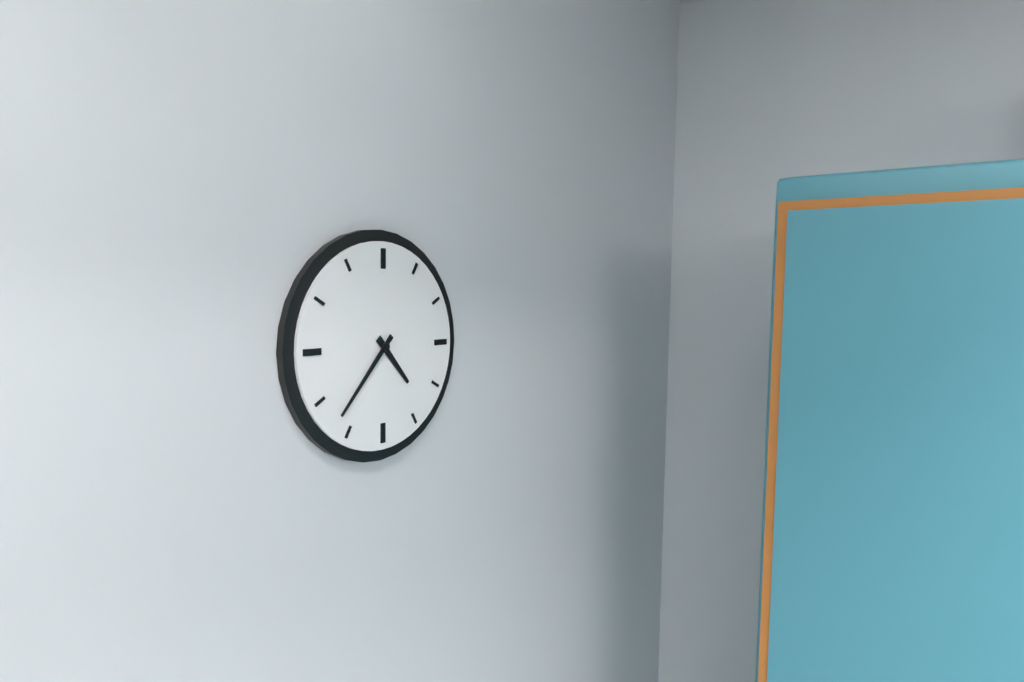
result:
{"hour": 4, "minute": 37}
